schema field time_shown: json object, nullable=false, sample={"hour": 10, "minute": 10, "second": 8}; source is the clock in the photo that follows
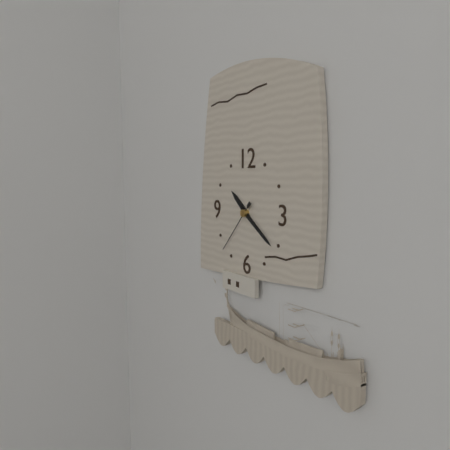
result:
{"hour": 10, "minute": 21, "second": 37}
